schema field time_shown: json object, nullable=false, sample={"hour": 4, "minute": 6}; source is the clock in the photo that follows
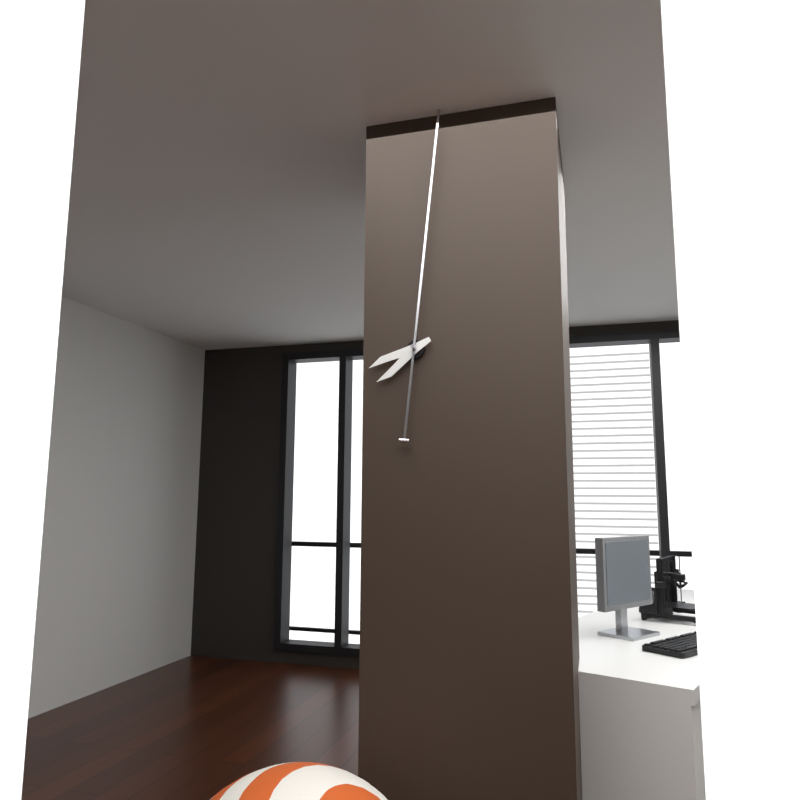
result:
{"hour": 8, "minute": 1}
